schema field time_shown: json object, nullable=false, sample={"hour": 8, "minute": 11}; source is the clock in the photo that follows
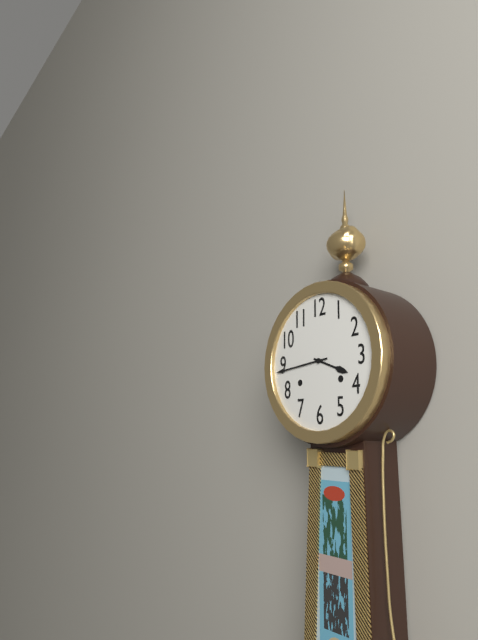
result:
{"hour": 3, "minute": 44}
